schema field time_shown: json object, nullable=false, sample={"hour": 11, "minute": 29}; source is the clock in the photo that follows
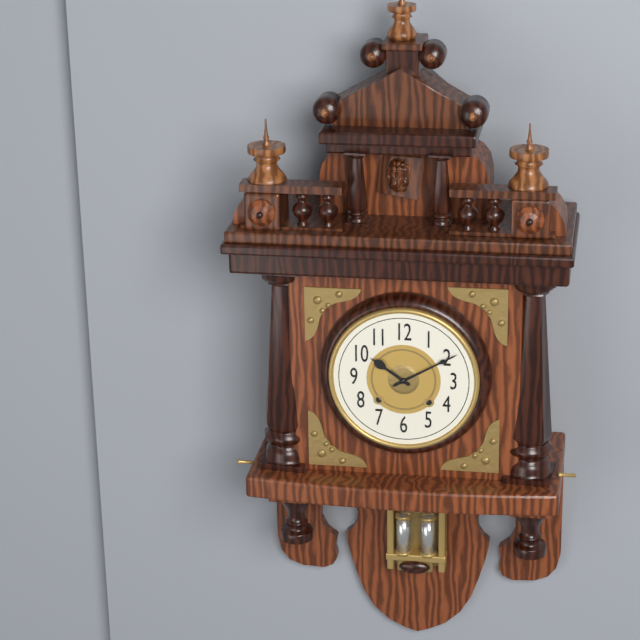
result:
{"hour": 10, "minute": 10}
